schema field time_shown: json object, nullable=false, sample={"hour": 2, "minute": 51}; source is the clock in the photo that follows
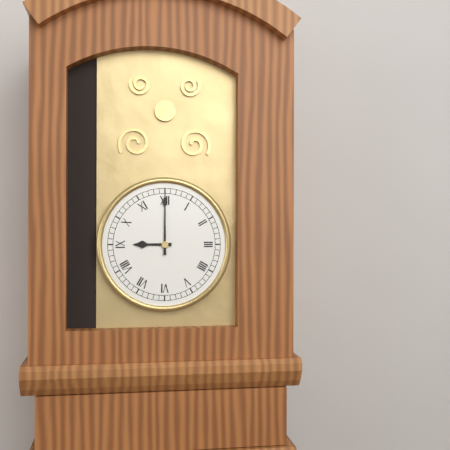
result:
{"hour": 9, "minute": 0}
